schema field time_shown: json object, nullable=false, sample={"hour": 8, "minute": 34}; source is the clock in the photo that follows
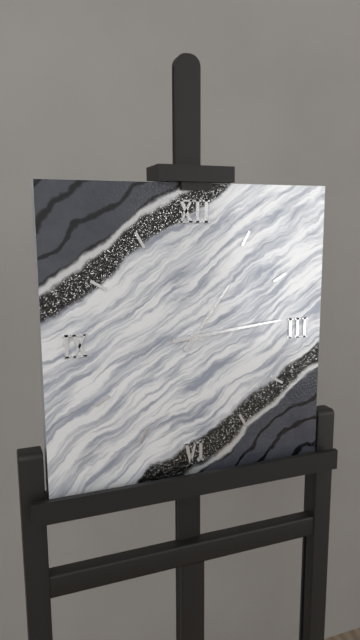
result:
{"hour": 1, "minute": 14}
